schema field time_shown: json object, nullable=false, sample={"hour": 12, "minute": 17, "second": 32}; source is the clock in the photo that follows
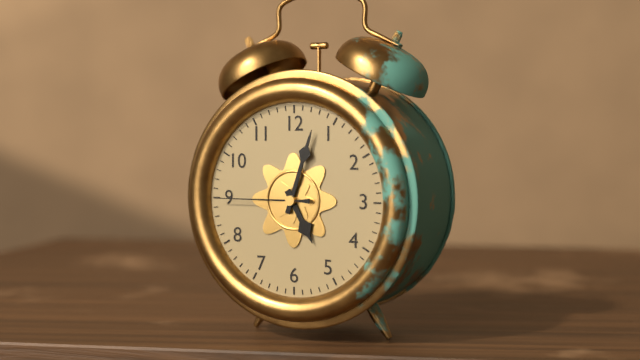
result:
{"hour": 5, "minute": 3, "second": 45}
